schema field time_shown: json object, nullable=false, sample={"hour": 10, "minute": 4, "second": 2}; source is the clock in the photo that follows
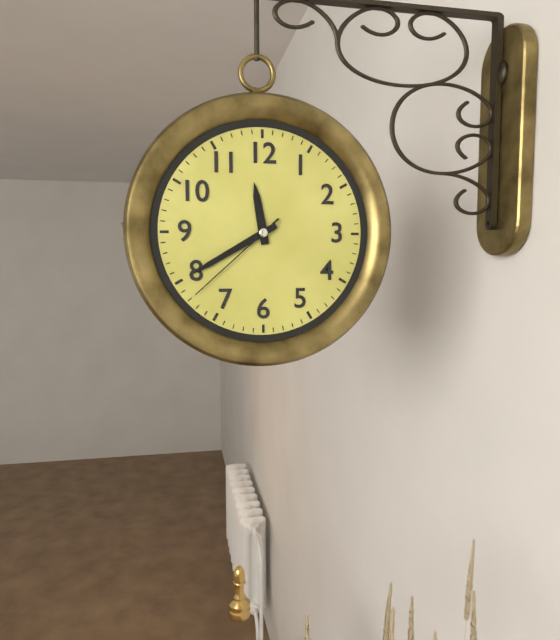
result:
{"hour": 11, "minute": 40, "second": 38}
